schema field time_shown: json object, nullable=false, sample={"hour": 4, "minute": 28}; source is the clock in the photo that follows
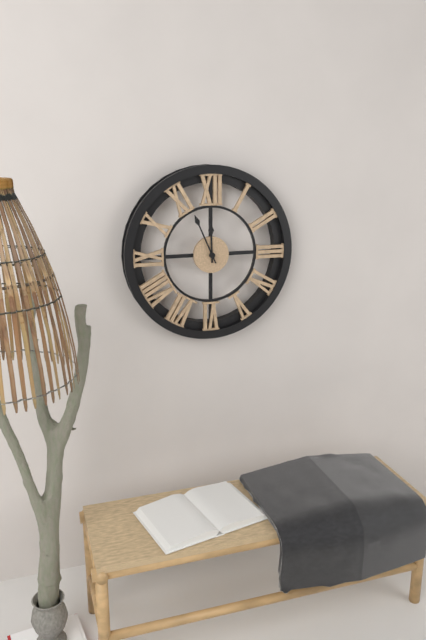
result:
{"hour": 11, "minute": 56}
